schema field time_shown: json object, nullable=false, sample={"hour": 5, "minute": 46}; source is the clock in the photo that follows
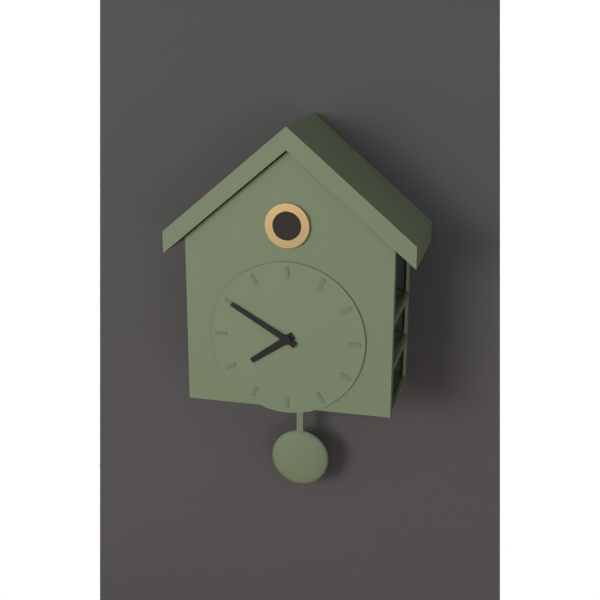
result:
{"hour": 7, "minute": 50}
